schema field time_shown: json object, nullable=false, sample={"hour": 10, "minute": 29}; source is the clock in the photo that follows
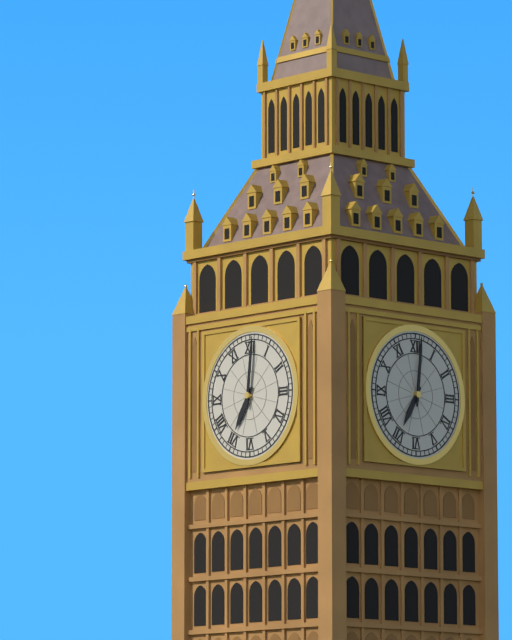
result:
{"hour": 7, "minute": 1}
